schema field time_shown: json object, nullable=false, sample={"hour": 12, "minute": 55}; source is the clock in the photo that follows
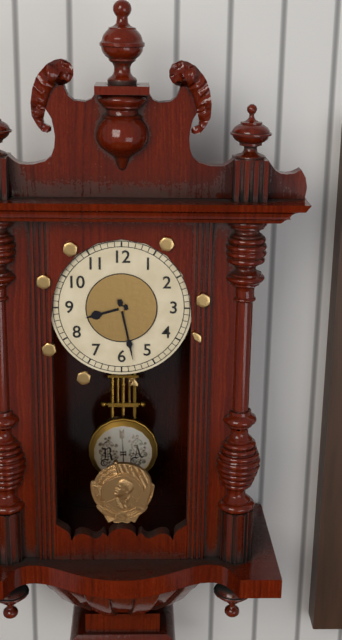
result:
{"hour": 8, "minute": 28}
